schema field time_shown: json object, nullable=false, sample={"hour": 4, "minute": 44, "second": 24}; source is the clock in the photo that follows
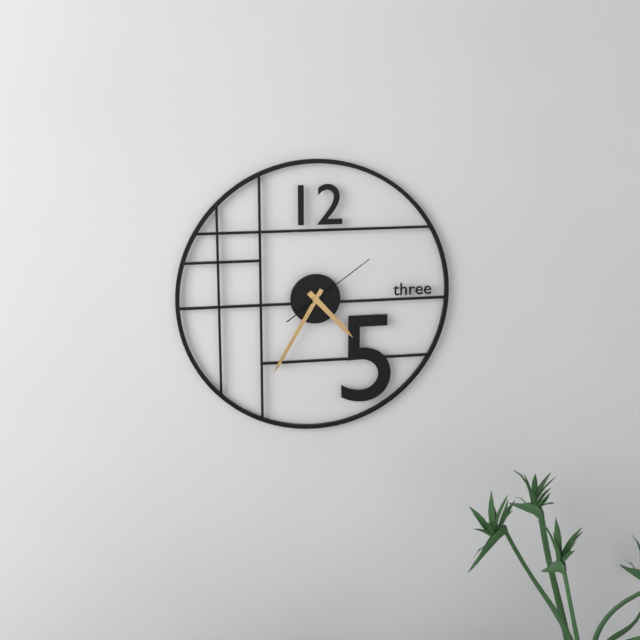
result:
{"hour": 4, "minute": 35, "second": 9}
